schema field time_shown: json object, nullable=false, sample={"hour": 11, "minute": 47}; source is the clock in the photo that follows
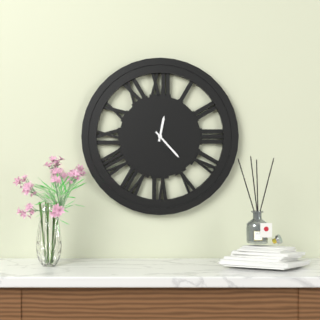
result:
{"hour": 12, "minute": 23}
